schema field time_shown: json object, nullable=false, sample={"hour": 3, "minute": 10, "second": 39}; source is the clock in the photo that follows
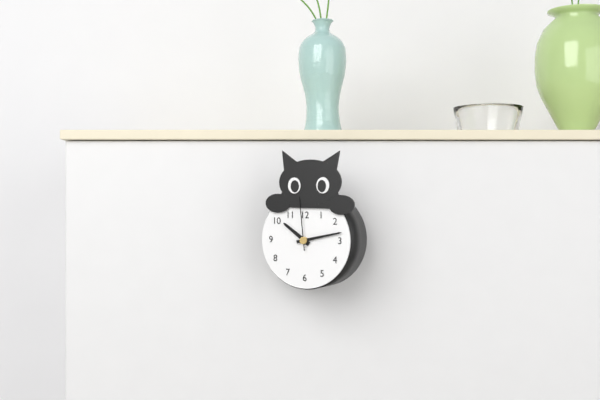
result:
{"hour": 10, "minute": 13, "second": 59}
